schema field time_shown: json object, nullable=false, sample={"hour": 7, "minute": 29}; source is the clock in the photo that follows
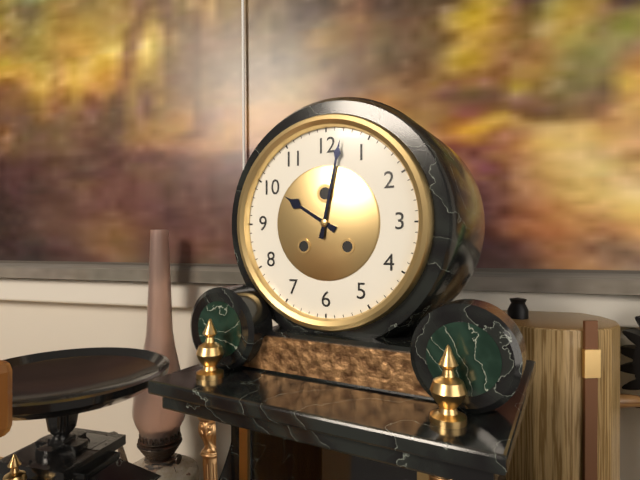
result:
{"hour": 10, "minute": 2}
